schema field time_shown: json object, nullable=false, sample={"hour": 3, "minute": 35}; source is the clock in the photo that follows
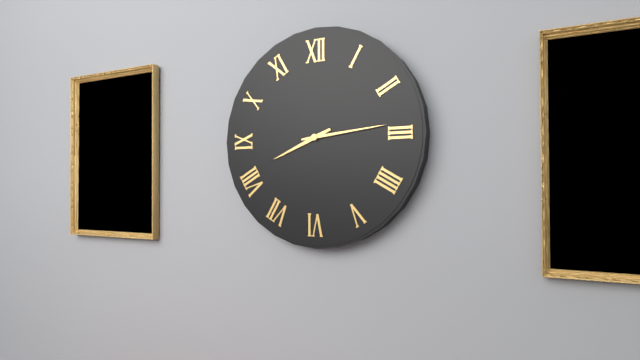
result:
{"hour": 8, "minute": 14}
